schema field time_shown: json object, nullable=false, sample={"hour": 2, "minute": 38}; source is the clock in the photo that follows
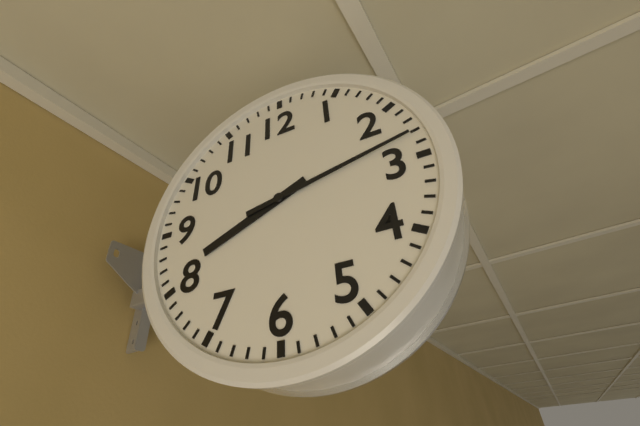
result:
{"hour": 8, "minute": 13}
